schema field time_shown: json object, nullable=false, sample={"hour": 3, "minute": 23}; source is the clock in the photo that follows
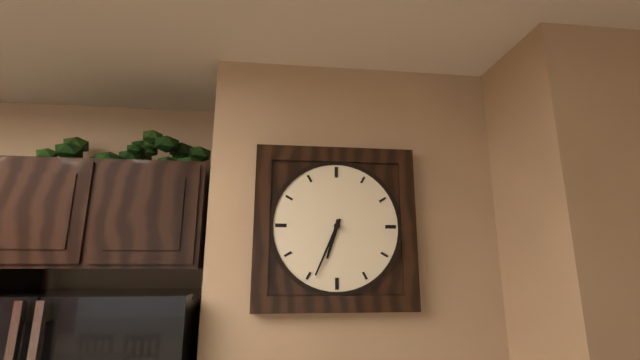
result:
{"hour": 6, "minute": 34}
